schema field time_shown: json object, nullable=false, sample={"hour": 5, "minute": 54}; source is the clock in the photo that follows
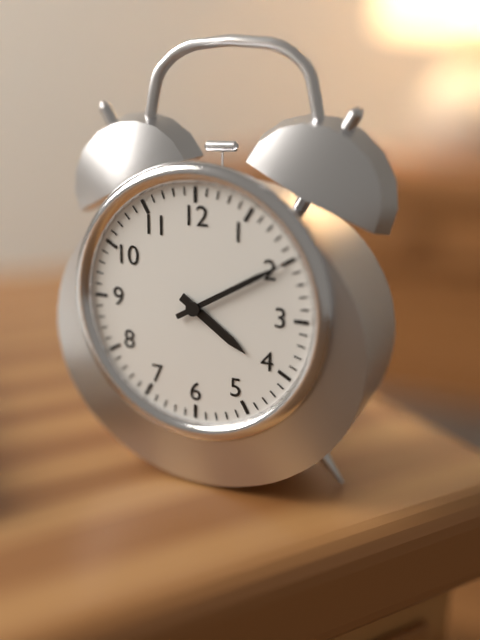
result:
{"hour": 4, "minute": 10}
